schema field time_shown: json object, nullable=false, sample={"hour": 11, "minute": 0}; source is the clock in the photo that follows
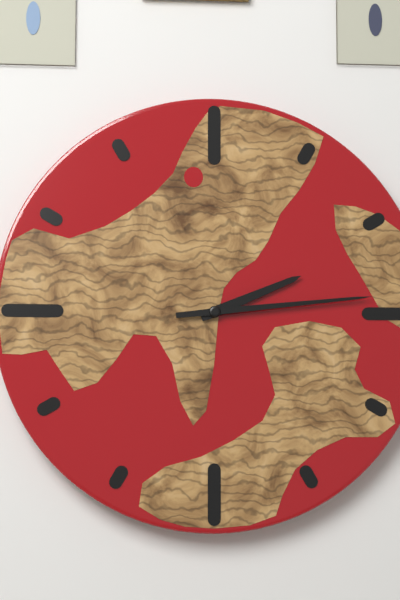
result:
{"hour": 2, "minute": 14}
